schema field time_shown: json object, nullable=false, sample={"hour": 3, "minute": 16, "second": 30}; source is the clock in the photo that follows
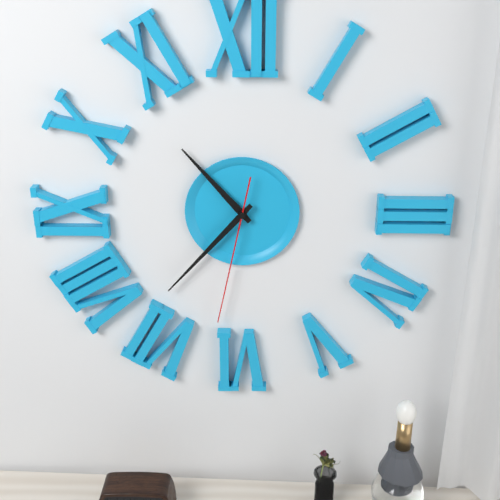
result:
{"hour": 10, "minute": 37, "second": 32}
